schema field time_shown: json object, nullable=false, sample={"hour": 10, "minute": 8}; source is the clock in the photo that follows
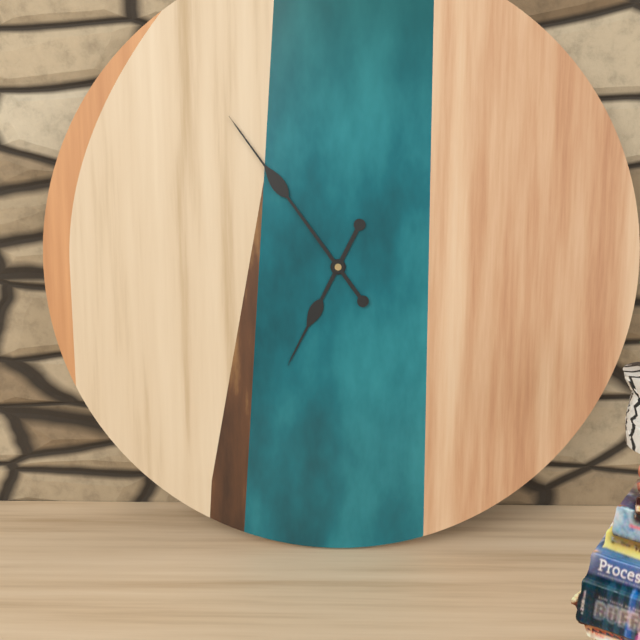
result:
{"hour": 6, "minute": 54}
